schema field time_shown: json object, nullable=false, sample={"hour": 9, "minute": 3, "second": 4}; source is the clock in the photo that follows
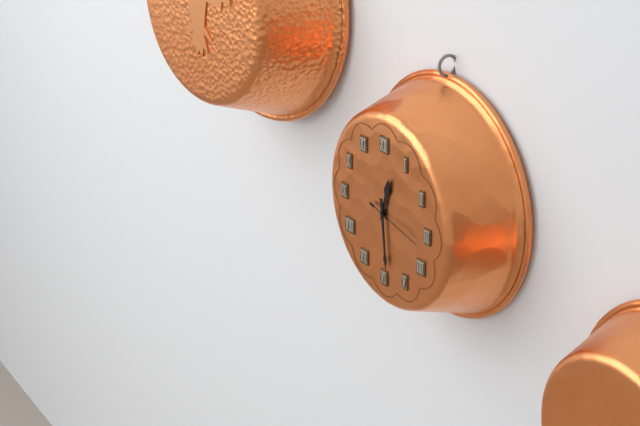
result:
{"hour": 12, "minute": 29, "second": 17}
